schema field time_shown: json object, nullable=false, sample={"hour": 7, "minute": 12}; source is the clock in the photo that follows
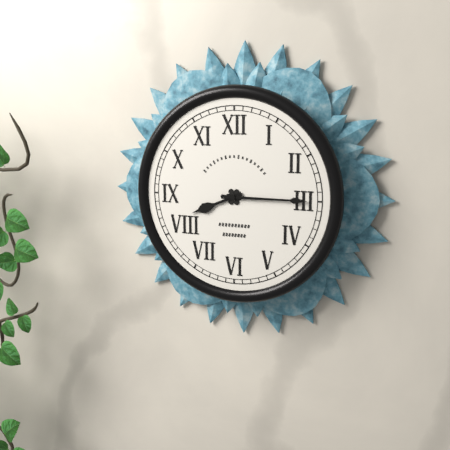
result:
{"hour": 8, "minute": 15}
